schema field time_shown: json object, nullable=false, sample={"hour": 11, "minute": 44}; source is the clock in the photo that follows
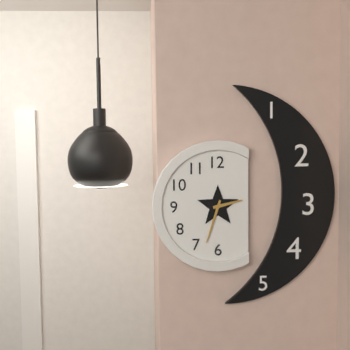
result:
{"hour": 2, "minute": 33}
